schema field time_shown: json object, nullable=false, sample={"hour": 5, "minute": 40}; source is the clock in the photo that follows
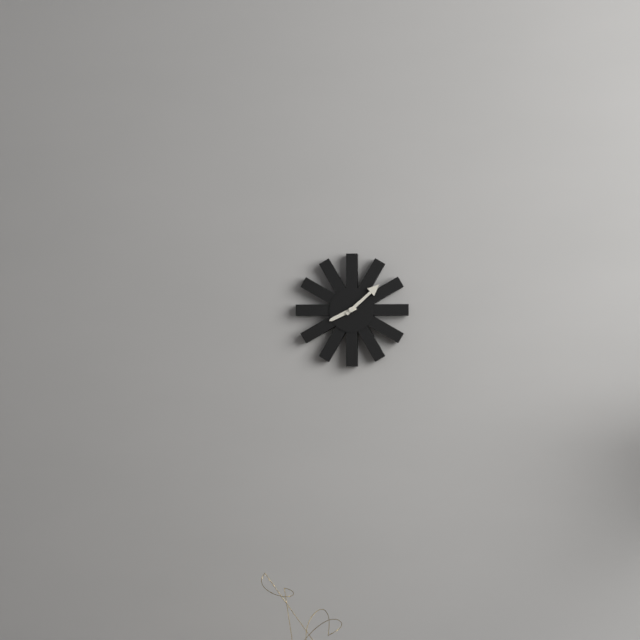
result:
{"hour": 8, "minute": 8}
